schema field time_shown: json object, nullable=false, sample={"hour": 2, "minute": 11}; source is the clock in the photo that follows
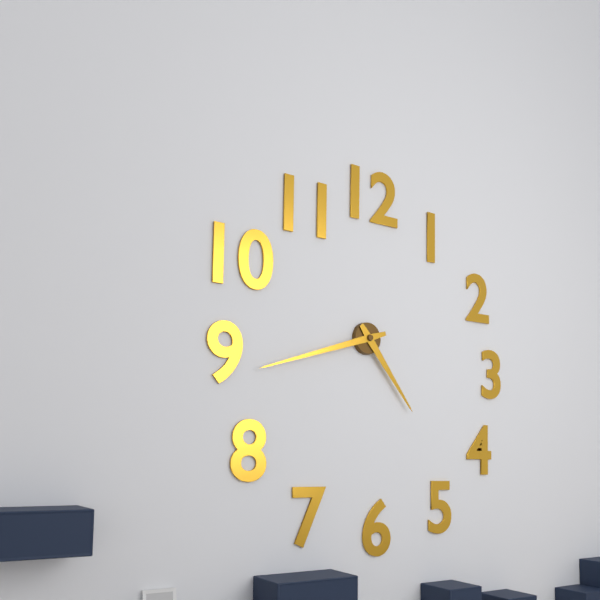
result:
{"hour": 4, "minute": 42}
